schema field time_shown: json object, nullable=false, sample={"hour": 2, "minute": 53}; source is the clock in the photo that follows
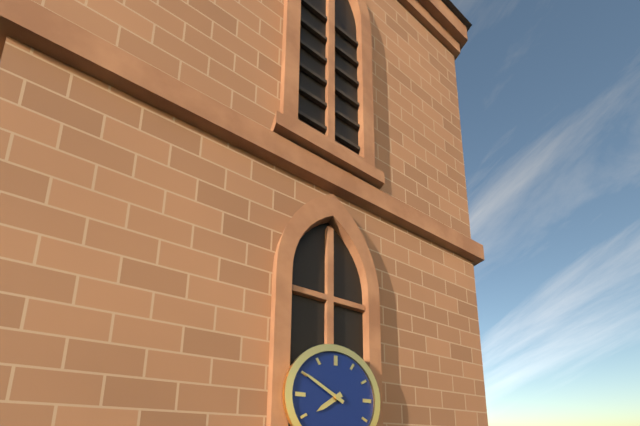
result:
{"hour": 7, "minute": 50}
